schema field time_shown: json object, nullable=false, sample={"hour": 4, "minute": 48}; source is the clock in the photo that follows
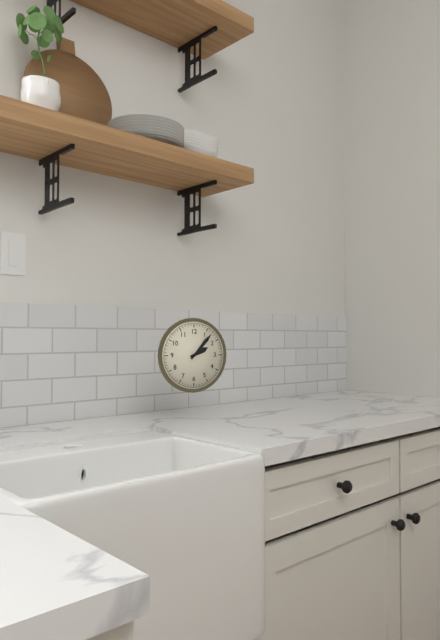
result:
{"hour": 2, "minute": 7}
